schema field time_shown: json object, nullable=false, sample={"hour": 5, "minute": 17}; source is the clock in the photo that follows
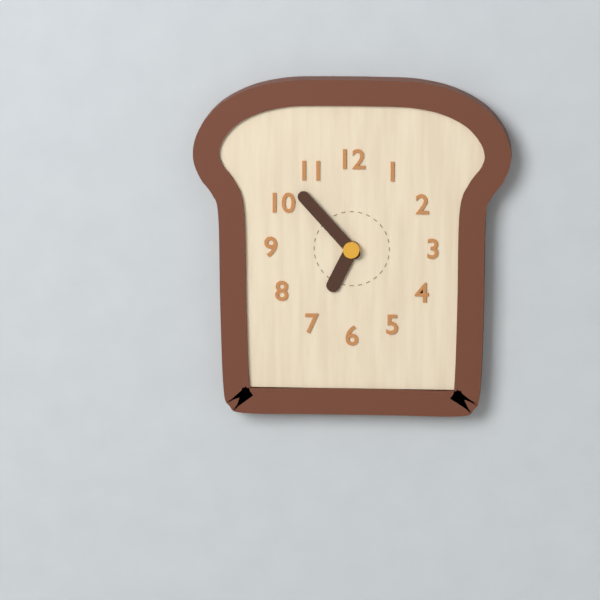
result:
{"hour": 6, "minute": 53}
